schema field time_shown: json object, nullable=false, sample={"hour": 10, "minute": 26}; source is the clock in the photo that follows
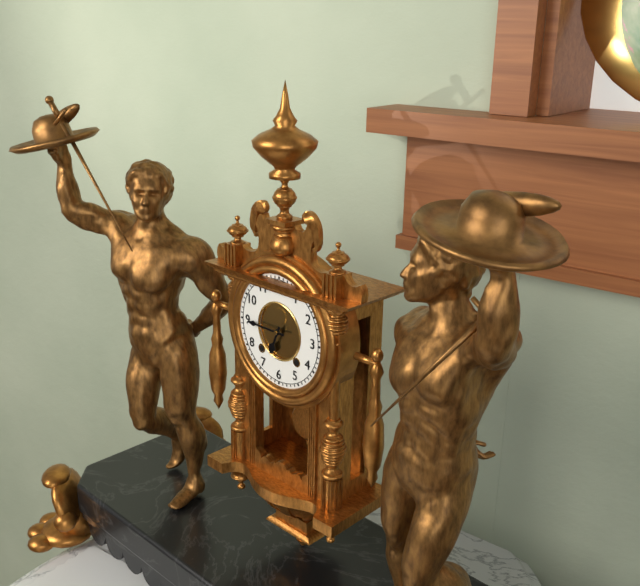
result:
{"hour": 6, "minute": 45}
